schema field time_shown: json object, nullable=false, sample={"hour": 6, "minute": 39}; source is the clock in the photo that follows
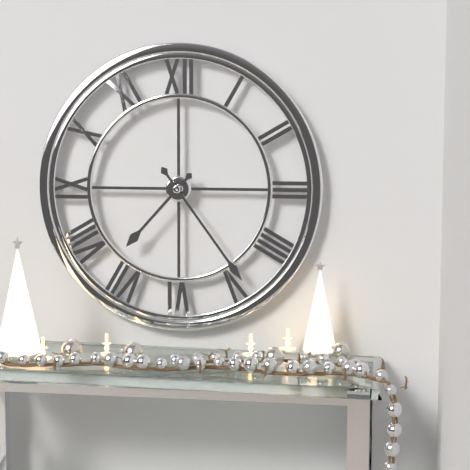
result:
{"hour": 7, "minute": 24}
